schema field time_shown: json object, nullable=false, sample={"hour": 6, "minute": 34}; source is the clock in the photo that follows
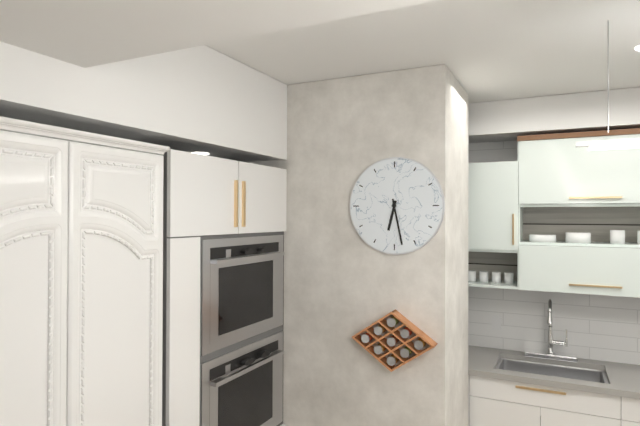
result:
{"hour": 6, "minute": 28}
